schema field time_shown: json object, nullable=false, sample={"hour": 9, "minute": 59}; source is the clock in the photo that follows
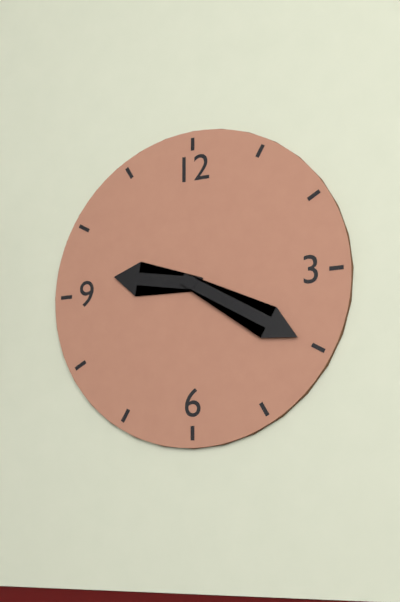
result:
{"hour": 9, "minute": 20}
